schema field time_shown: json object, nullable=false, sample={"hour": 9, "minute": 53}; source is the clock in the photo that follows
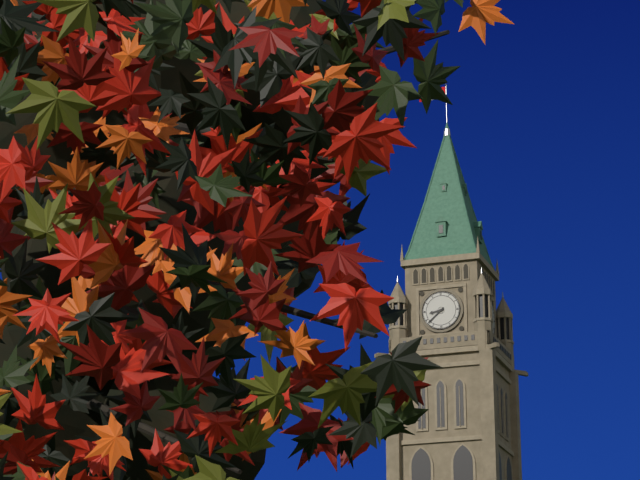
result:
{"hour": 8, "minute": 38}
